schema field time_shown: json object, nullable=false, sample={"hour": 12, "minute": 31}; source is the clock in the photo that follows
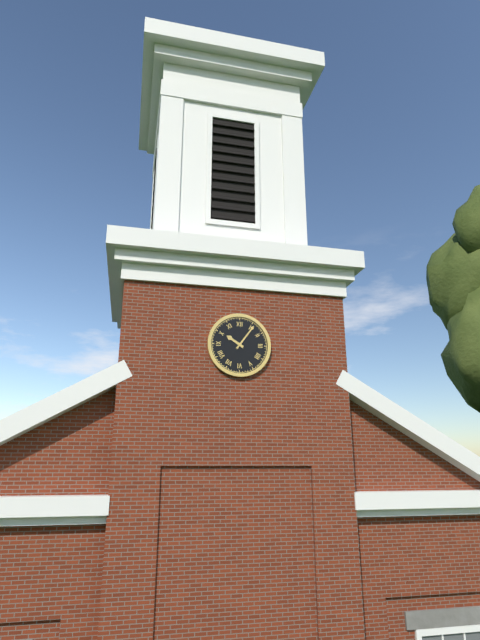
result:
{"hour": 10, "minute": 6}
